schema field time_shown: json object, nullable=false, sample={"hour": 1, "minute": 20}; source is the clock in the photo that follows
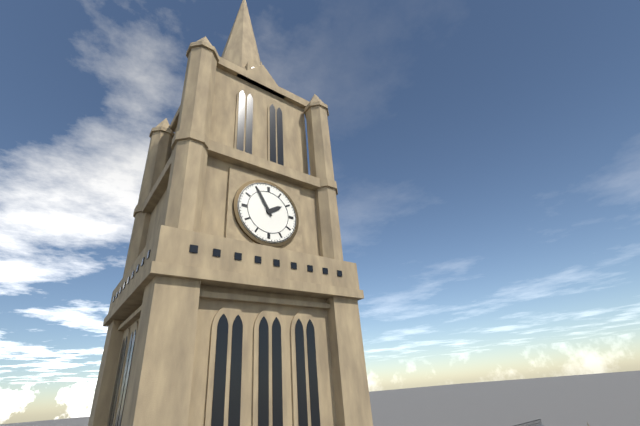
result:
{"hour": 1, "minute": 55}
